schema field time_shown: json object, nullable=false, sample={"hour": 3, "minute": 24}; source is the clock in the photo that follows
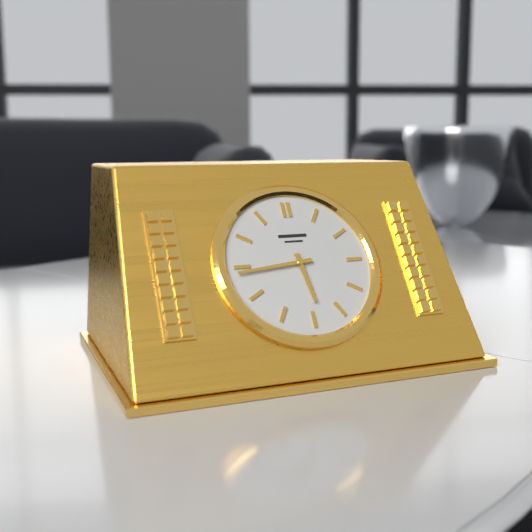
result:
{"hour": 5, "minute": 44}
